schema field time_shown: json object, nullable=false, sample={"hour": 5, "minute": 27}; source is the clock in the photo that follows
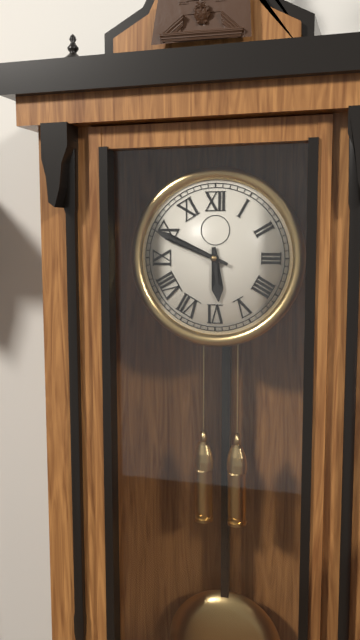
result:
{"hour": 5, "minute": 49}
